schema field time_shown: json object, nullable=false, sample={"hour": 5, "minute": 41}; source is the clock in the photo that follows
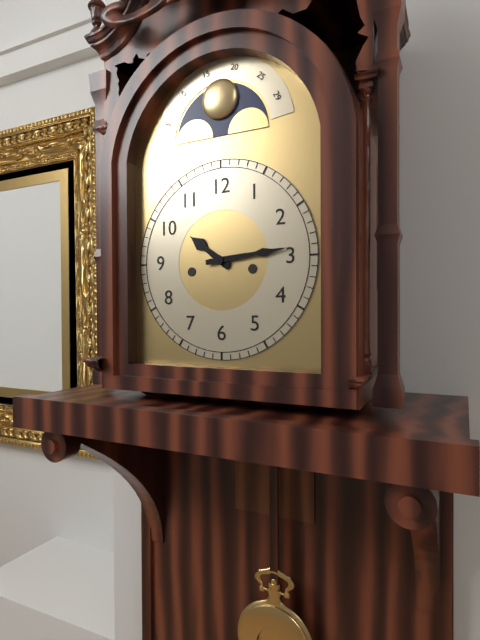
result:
{"hour": 10, "minute": 14}
